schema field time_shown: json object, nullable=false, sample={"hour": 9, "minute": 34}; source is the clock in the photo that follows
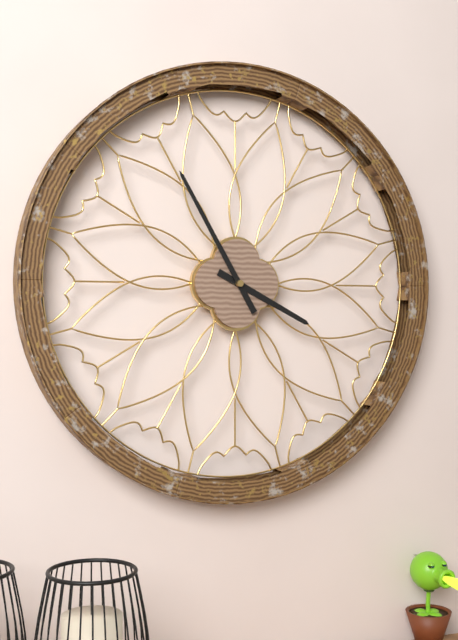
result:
{"hour": 3, "minute": 55}
